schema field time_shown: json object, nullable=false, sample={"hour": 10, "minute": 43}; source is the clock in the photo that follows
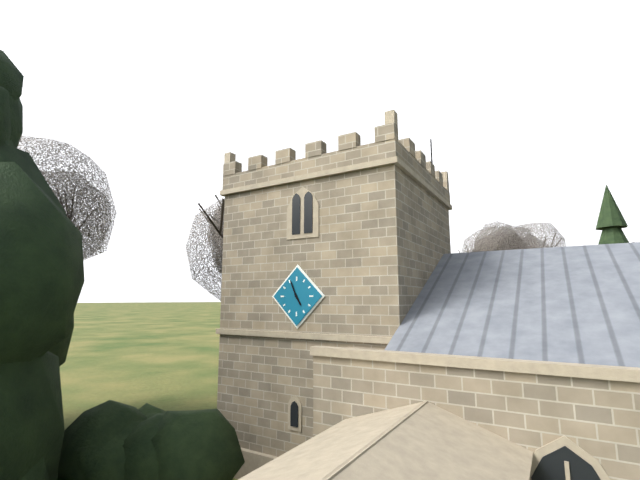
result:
{"hour": 4, "minute": 56}
